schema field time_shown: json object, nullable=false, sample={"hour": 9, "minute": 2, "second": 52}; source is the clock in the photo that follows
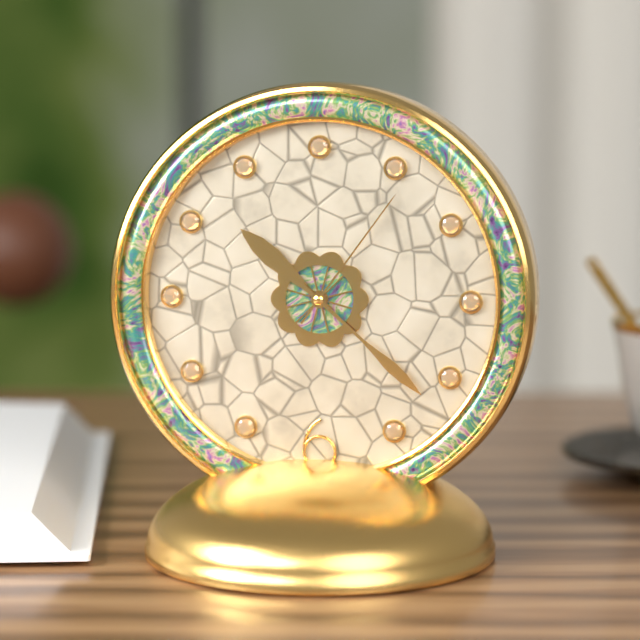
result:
{"hour": 10, "minute": 22, "second": 6}
